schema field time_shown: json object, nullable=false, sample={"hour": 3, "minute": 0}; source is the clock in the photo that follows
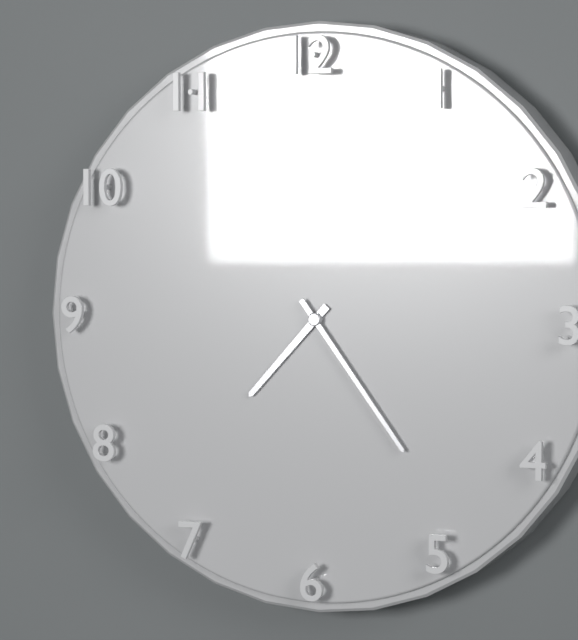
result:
{"hour": 7, "minute": 24}
